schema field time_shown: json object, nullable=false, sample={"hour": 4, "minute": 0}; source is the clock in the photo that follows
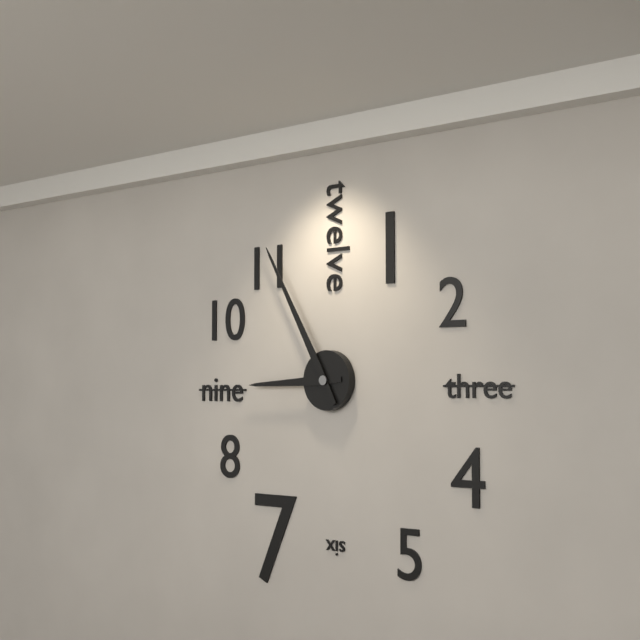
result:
{"hour": 8, "minute": 55}
